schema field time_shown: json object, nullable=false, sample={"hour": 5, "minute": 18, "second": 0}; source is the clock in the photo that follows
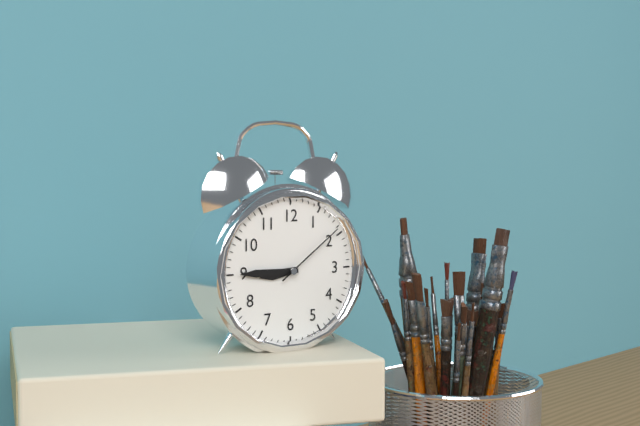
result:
{"hour": 8, "minute": 45, "second": 9}
